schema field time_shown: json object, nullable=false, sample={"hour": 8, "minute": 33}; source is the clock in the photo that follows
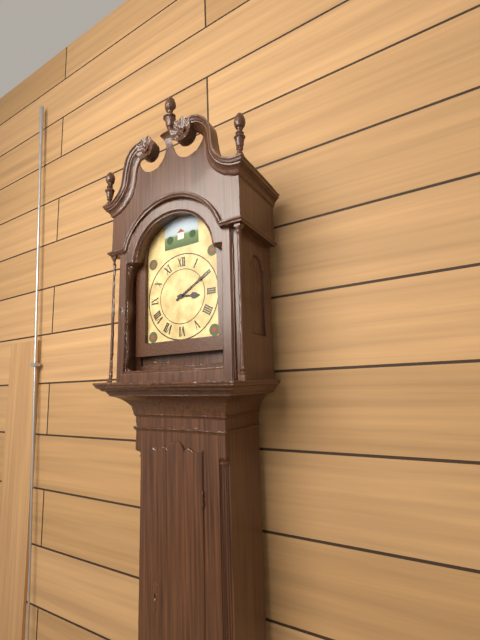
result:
{"hour": 3, "minute": 10}
